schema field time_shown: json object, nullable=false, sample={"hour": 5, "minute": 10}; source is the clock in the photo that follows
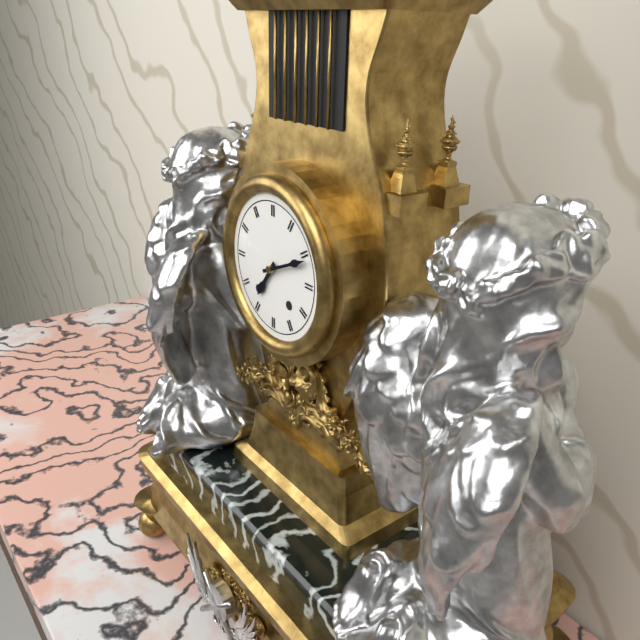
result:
{"hour": 7, "minute": 11}
